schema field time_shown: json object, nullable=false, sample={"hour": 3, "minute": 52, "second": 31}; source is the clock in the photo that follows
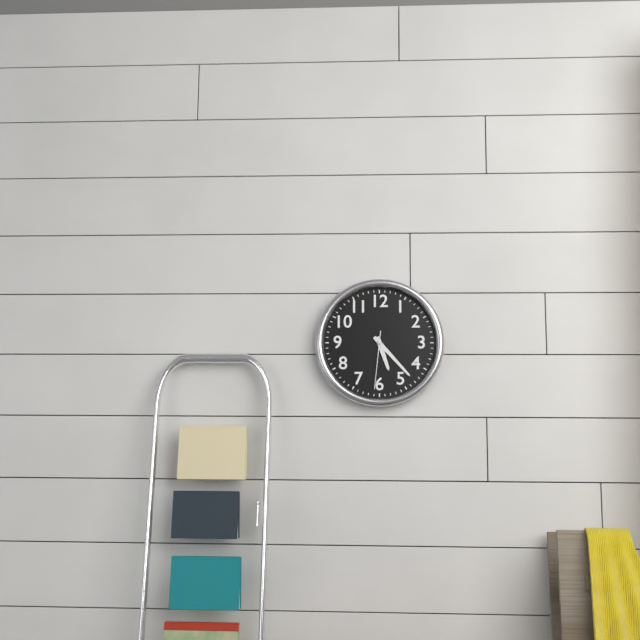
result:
{"hour": 5, "minute": 23, "second": 31}
